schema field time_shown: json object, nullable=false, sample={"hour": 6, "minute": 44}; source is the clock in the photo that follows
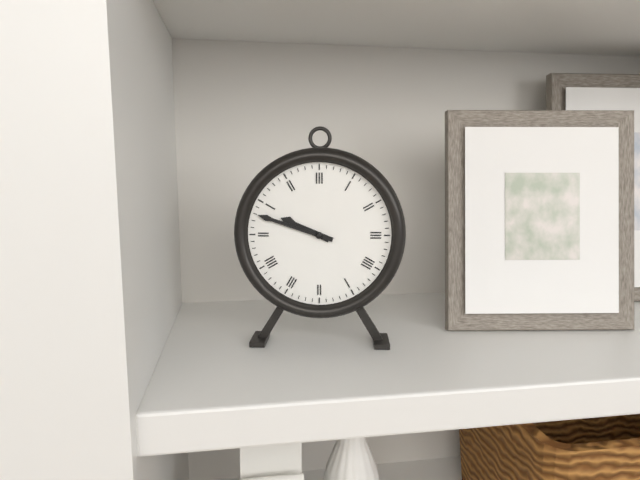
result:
{"hour": 9, "minute": 48}
